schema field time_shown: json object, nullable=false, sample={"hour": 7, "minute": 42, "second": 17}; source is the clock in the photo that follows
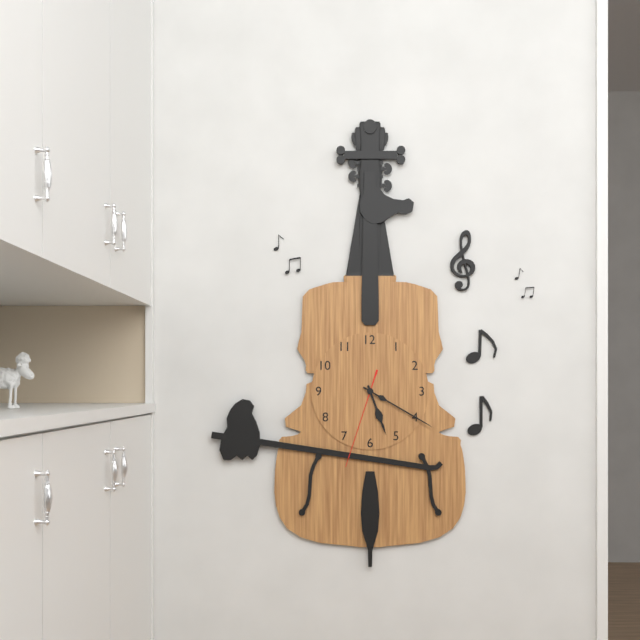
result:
{"hour": 5, "minute": 20, "second": 33}
